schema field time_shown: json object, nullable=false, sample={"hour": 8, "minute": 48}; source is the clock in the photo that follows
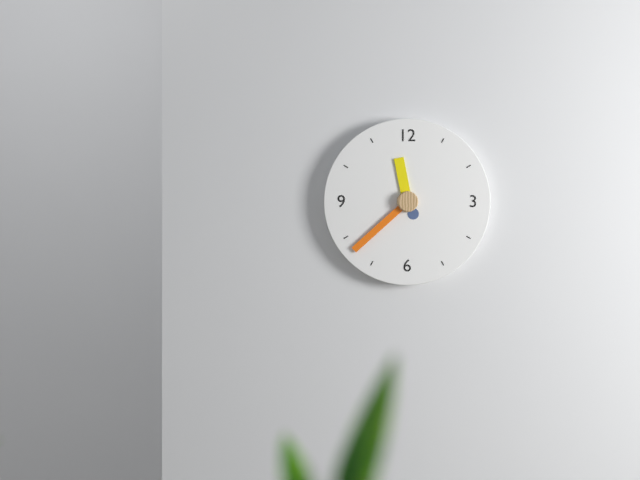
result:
{"hour": 11, "minute": 38}
